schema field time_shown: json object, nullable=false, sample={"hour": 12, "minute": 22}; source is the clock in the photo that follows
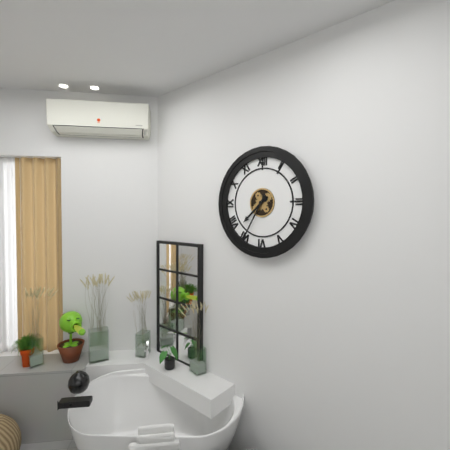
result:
{"hour": 7, "minute": 35}
